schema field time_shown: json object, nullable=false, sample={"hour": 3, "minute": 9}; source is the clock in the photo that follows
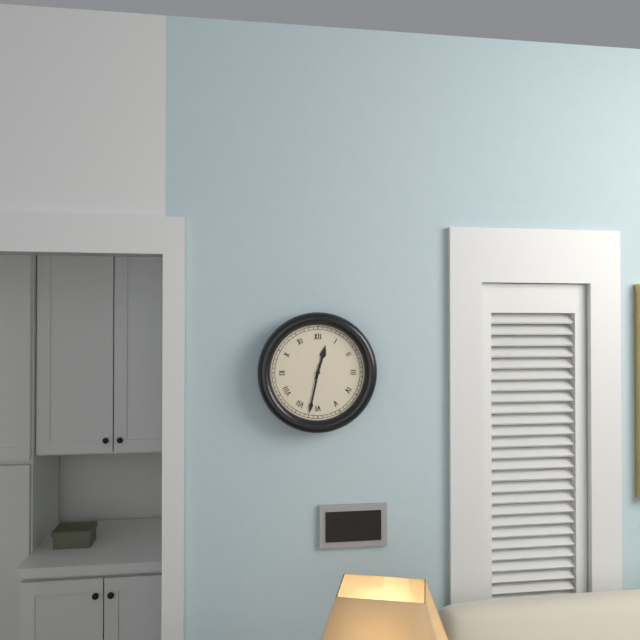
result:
{"hour": 12, "minute": 32}
